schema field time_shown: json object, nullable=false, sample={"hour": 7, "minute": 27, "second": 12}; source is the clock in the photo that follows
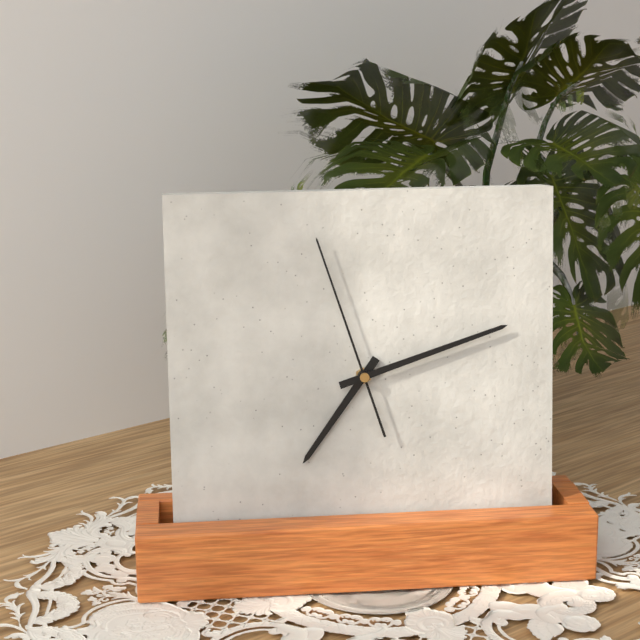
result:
{"hour": 7, "minute": 12, "second": 57}
